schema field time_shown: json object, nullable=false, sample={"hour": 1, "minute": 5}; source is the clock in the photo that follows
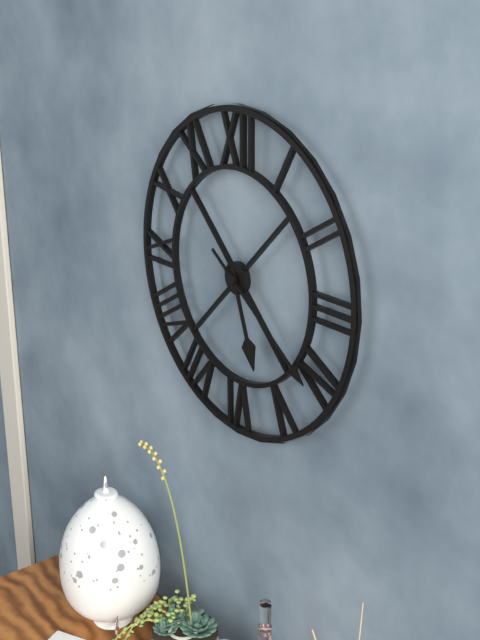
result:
{"hour": 5, "minute": 21}
